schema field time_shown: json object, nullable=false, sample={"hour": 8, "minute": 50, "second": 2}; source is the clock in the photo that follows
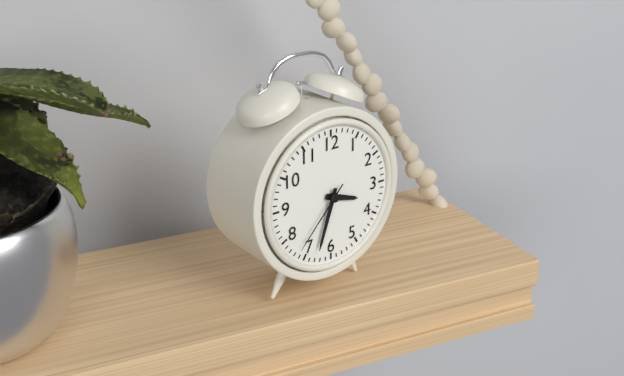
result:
{"hour": 3, "minute": 33, "second": 37}
